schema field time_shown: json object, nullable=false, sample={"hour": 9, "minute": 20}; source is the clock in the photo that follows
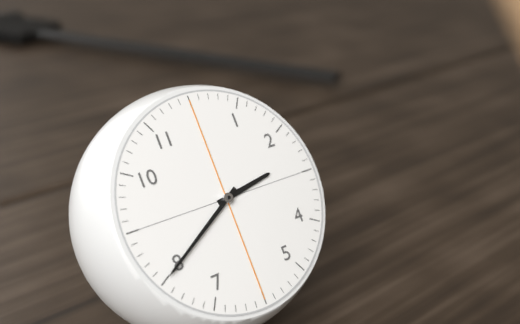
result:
{"hour": 2, "minute": 40}
